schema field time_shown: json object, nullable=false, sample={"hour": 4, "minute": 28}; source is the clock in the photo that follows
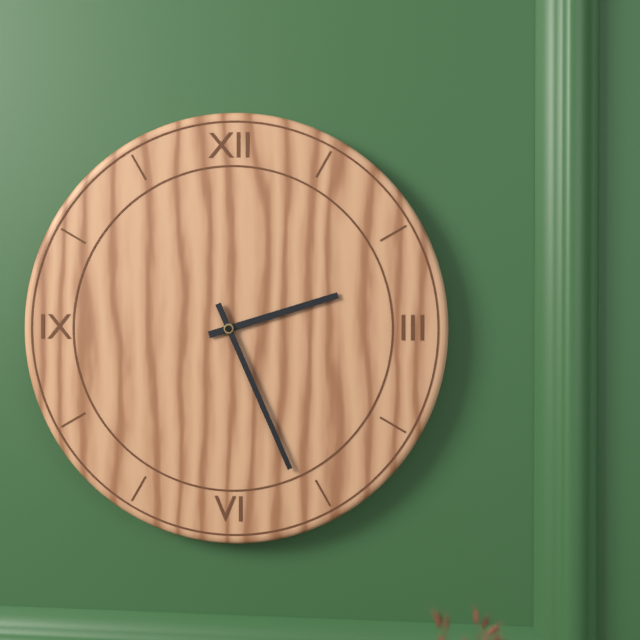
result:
{"hour": 2, "minute": 26}
